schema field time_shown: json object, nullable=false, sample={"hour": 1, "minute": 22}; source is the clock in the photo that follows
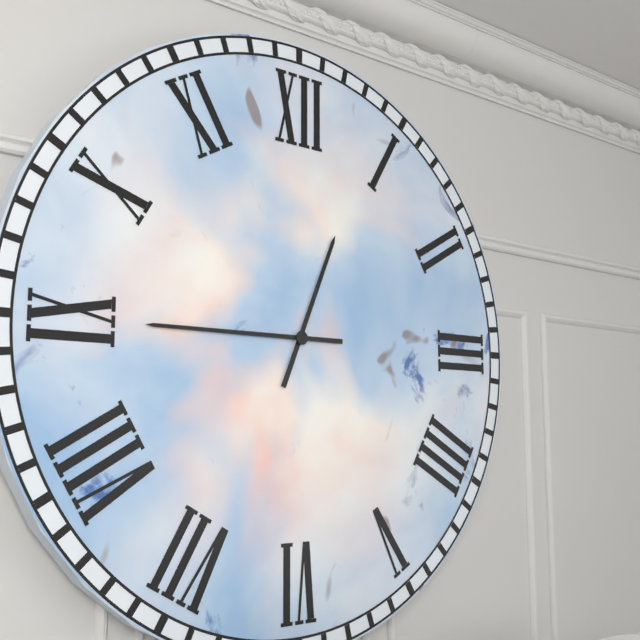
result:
{"hour": 12, "minute": 45}
